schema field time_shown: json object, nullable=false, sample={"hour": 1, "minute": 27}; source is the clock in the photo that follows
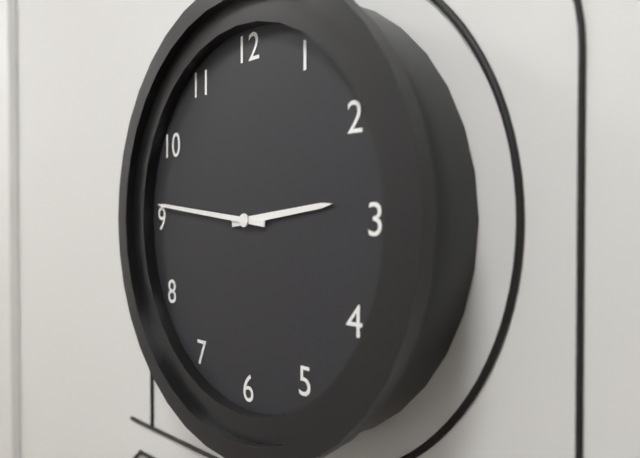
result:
{"hour": 2, "minute": 46}
